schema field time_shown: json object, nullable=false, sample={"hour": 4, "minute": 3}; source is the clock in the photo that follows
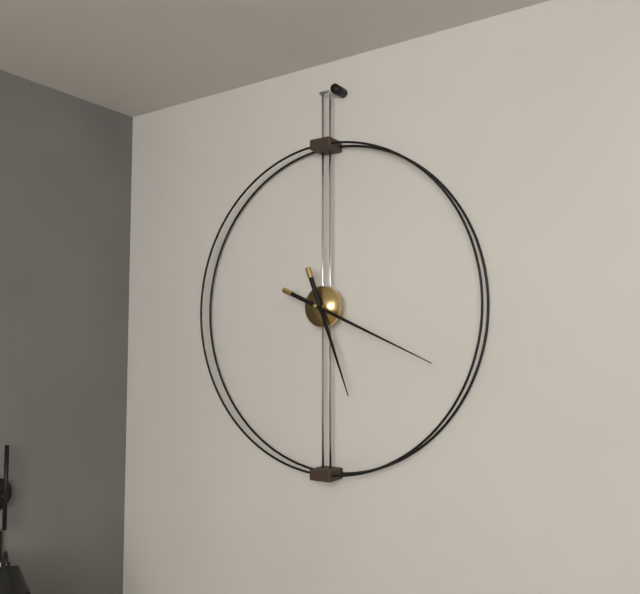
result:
{"hour": 5, "minute": 19}
